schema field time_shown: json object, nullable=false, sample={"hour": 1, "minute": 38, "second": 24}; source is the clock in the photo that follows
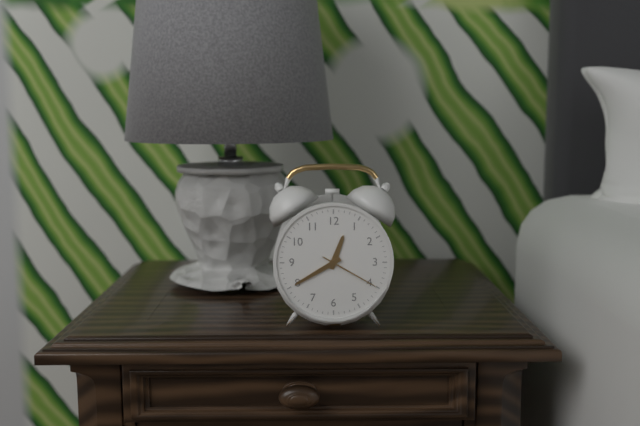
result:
{"hour": 12, "minute": 40, "second": 20}
